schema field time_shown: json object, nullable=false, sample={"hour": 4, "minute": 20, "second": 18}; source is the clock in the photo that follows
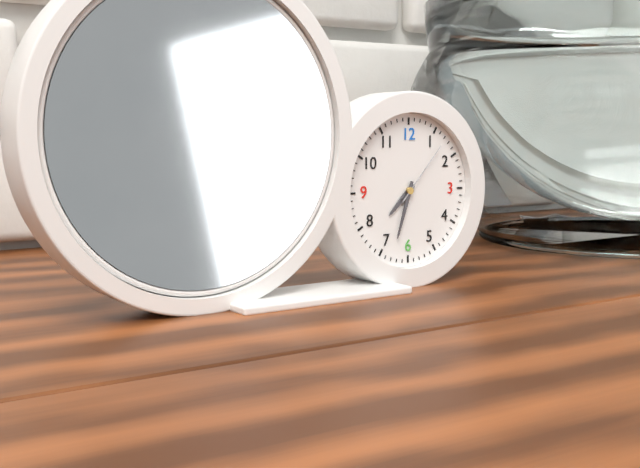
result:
{"hour": 7, "minute": 33, "second": 7}
